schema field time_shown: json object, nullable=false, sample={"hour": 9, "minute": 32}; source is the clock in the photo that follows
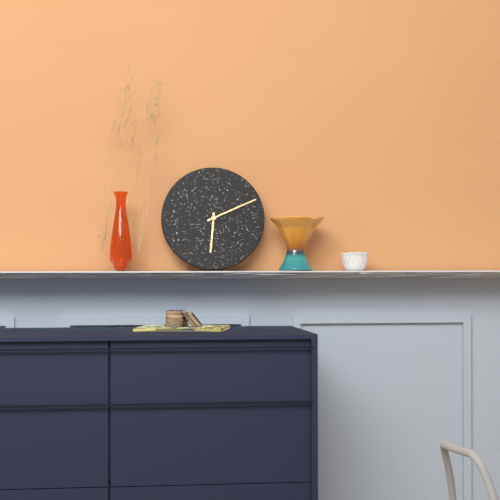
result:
{"hour": 6, "minute": 11}
